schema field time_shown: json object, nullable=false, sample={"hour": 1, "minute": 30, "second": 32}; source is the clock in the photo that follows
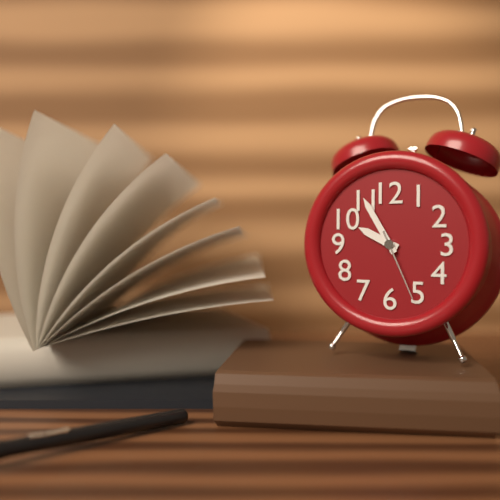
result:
{"hour": 9, "minute": 55, "second": 26}
